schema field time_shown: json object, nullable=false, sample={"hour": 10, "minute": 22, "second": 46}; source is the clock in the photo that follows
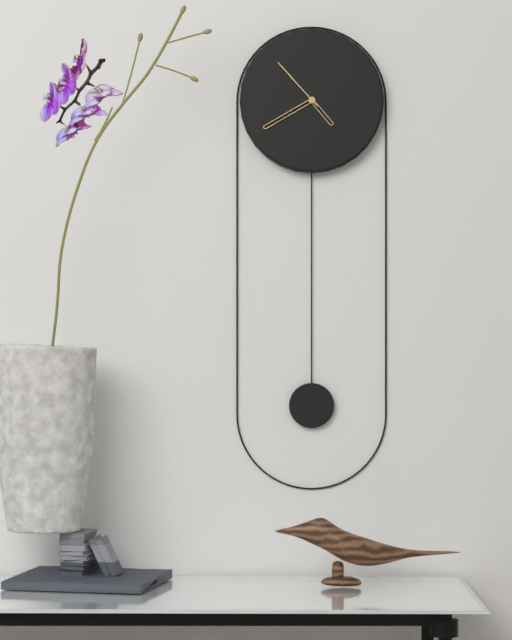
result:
{"hour": 4, "minute": 40, "second": 53}
